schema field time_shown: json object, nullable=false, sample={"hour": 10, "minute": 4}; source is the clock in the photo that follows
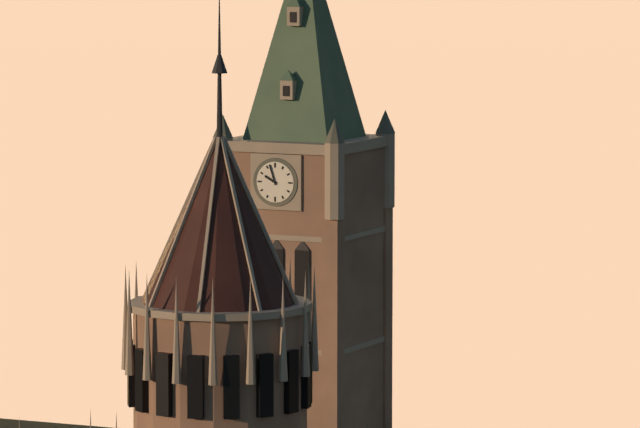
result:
{"hour": 9, "minute": 57}
